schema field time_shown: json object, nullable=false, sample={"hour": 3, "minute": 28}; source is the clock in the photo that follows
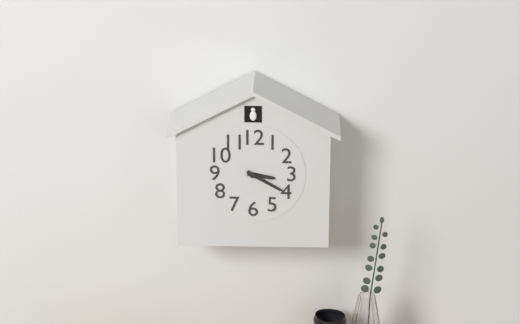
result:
{"hour": 3, "minute": 20}
